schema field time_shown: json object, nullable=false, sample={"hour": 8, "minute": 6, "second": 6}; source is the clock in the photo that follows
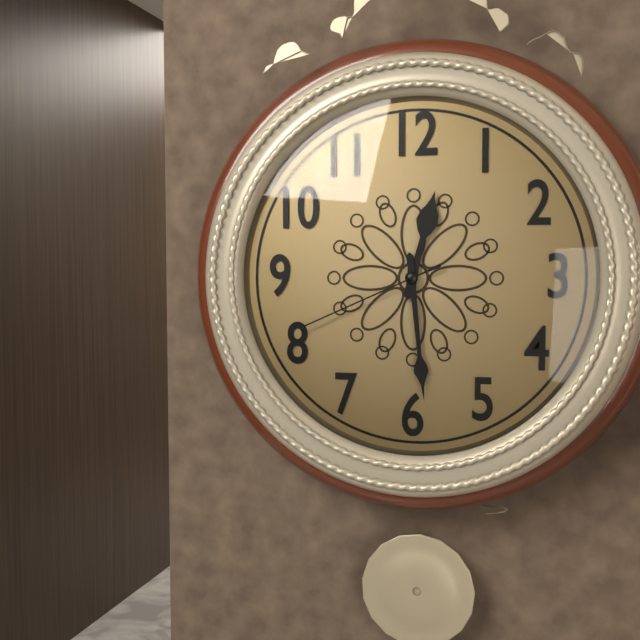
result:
{"hour": 12, "minute": 29, "second": 41}
